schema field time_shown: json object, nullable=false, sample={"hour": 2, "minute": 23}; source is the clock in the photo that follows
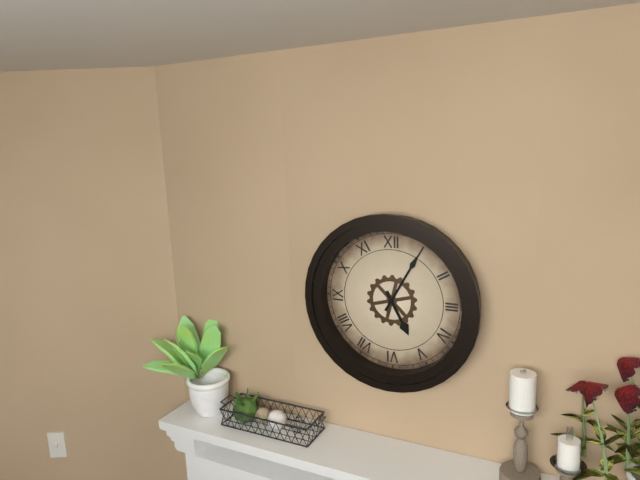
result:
{"hour": 5, "minute": 5}
